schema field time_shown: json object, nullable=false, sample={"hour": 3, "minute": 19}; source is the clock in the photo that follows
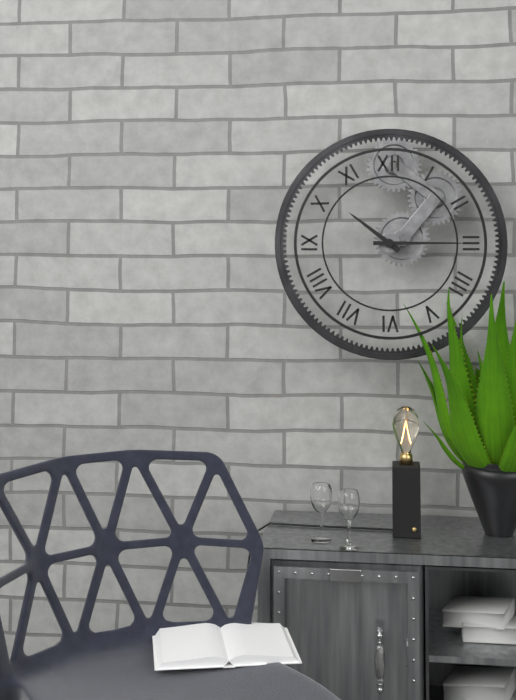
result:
{"hour": 10, "minute": 15}
